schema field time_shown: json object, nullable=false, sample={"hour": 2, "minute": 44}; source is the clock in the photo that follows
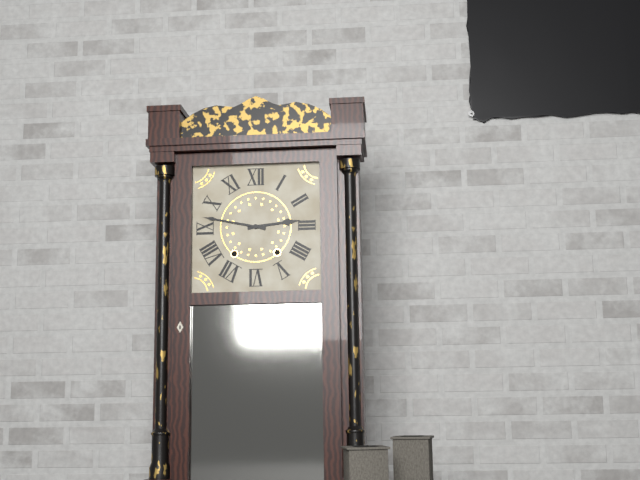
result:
{"hour": 2, "minute": 47}
